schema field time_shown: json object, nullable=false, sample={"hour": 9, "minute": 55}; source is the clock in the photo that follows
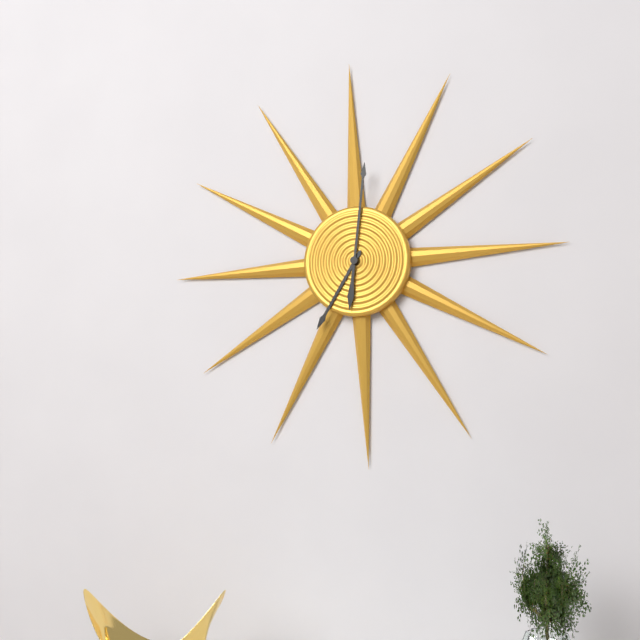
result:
{"hour": 7, "minute": 1}
